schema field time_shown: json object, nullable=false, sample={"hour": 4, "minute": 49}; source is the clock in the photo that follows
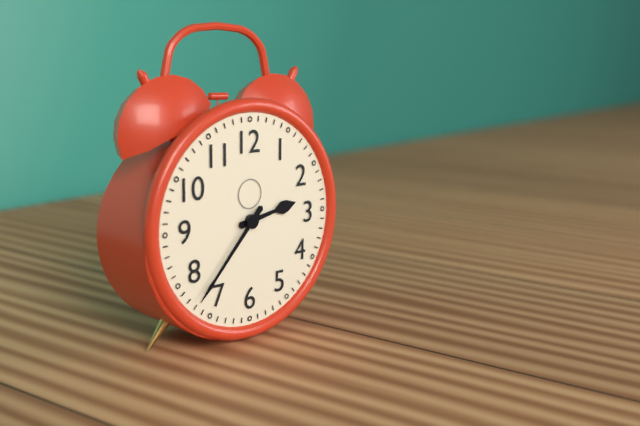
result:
{"hour": 2, "minute": 37}
